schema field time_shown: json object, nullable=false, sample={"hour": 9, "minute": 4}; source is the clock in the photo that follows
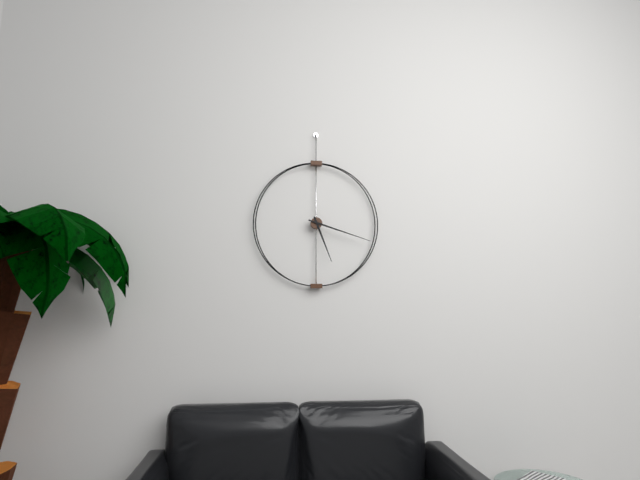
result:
{"hour": 5, "minute": 18}
